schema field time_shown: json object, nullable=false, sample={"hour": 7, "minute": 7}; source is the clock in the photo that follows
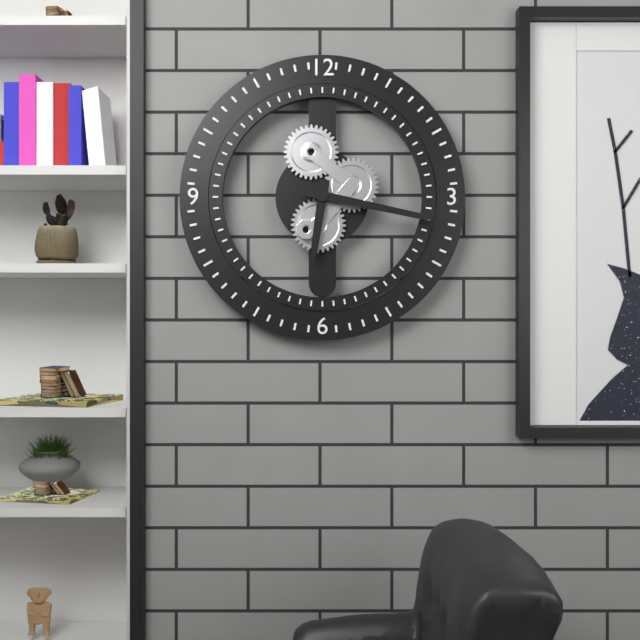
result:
{"hour": 6, "minute": 17}
